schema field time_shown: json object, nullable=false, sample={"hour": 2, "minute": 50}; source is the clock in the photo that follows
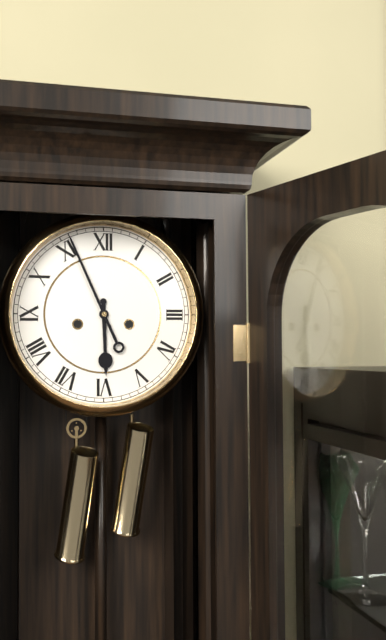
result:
{"hour": 5, "minute": 56}
